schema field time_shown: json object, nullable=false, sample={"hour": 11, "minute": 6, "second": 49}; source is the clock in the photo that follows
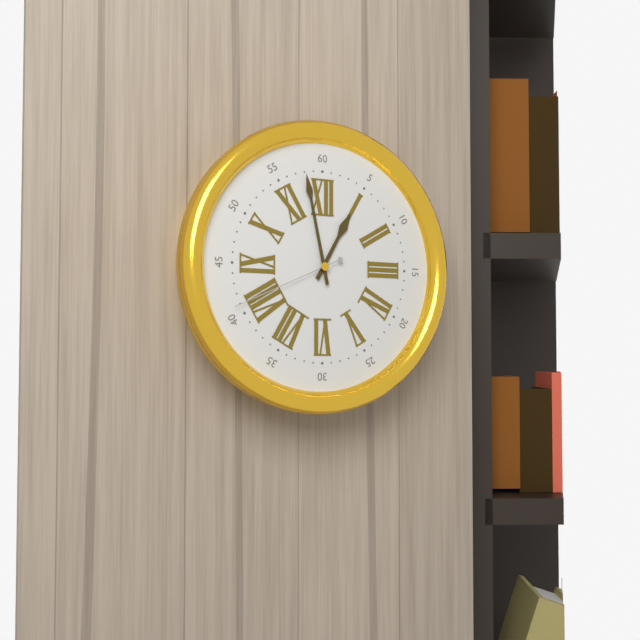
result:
{"hour": 12, "minute": 58, "second": 41}
